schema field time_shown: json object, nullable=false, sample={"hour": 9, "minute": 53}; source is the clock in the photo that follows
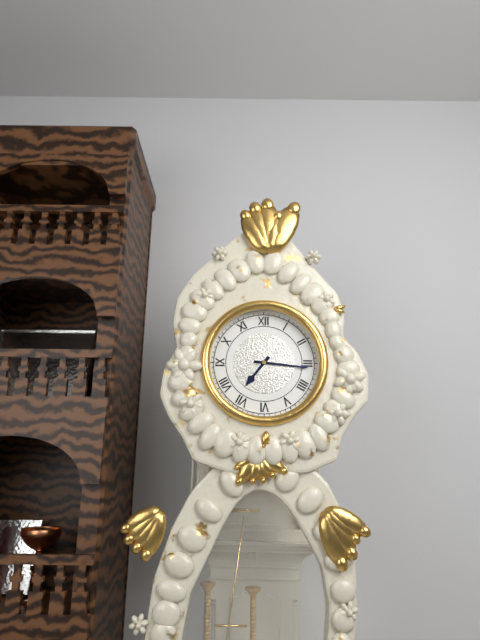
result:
{"hour": 7, "minute": 16}
